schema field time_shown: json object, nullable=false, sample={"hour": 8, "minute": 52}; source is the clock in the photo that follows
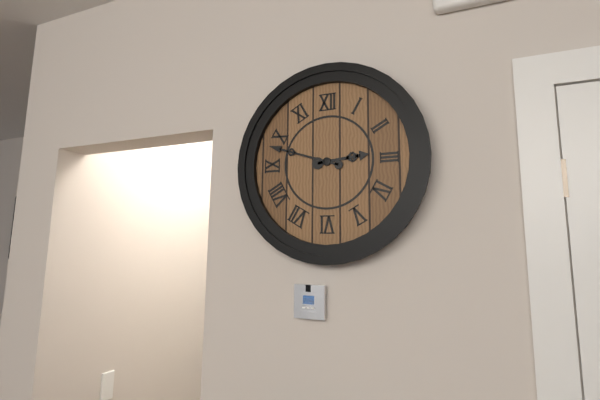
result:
{"hour": 2, "minute": 48}
